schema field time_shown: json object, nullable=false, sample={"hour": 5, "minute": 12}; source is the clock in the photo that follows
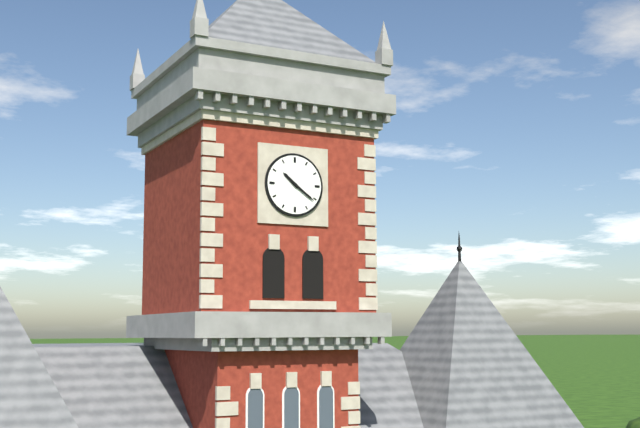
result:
{"hour": 10, "minute": 21}
